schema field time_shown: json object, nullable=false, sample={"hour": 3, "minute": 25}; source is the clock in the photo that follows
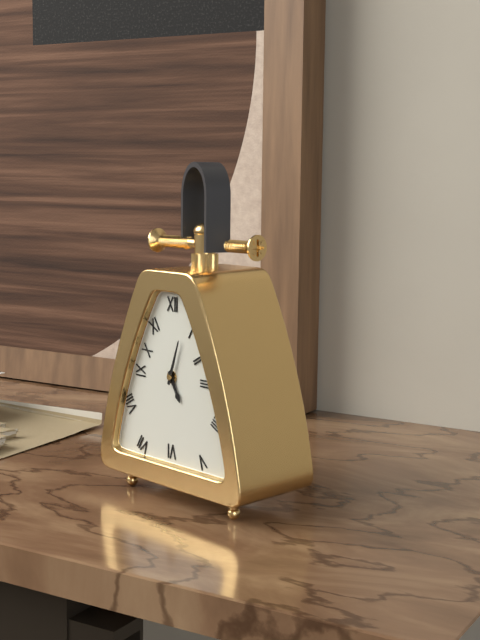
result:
{"hour": 5, "minute": 3}
